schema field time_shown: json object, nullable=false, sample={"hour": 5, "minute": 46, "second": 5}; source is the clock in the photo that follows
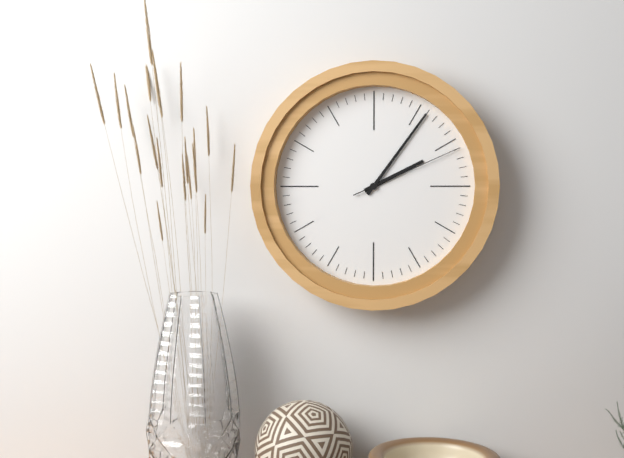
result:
{"hour": 2, "minute": 6, "second": 11}
